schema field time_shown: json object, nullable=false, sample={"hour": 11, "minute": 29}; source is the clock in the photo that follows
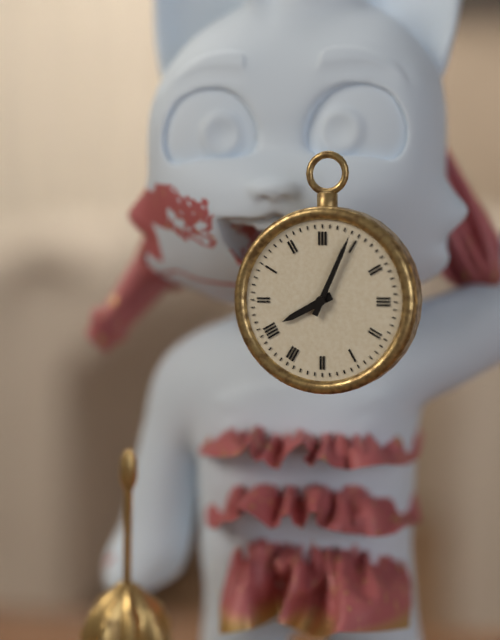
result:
{"hour": 8, "minute": 4}
